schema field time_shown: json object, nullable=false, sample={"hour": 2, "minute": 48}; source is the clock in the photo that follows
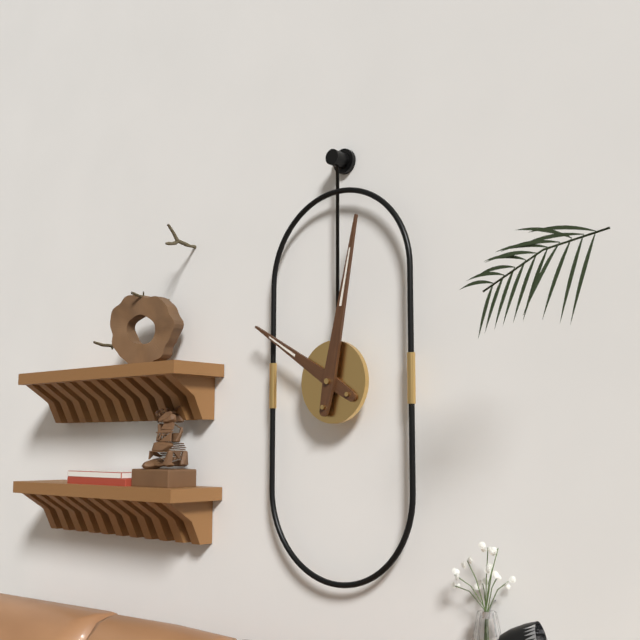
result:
{"hour": 10, "minute": 2}
